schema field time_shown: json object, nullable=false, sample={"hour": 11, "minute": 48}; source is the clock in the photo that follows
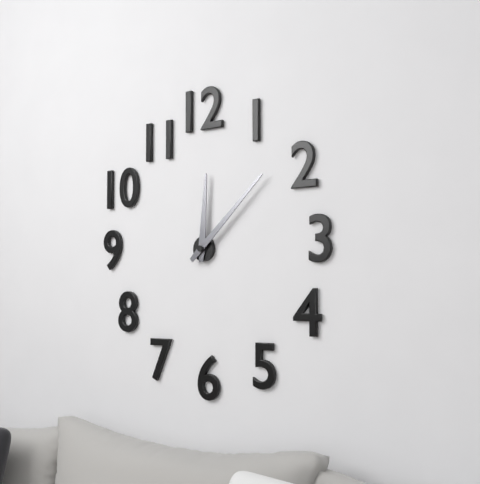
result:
{"hour": 12, "minute": 8}
